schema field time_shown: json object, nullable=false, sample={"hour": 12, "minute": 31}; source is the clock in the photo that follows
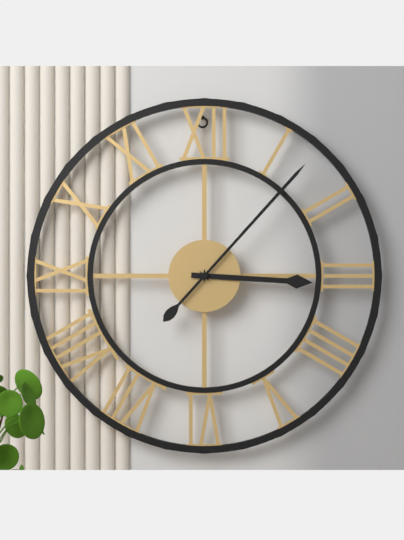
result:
{"hour": 3, "minute": 7}
